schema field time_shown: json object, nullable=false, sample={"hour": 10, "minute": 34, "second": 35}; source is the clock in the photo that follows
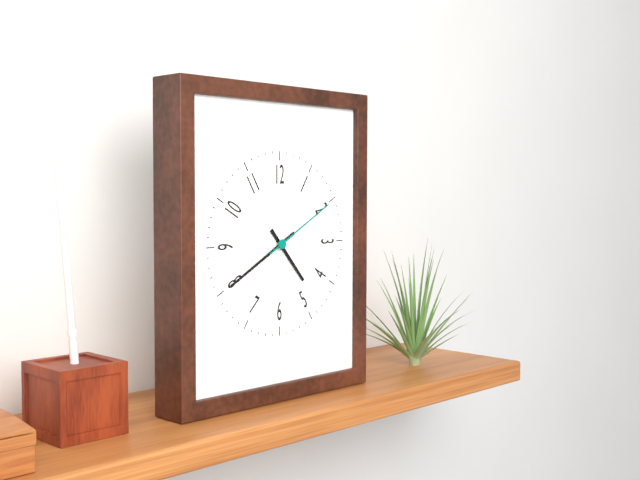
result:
{"hour": 4, "minute": 40, "second": 10}
